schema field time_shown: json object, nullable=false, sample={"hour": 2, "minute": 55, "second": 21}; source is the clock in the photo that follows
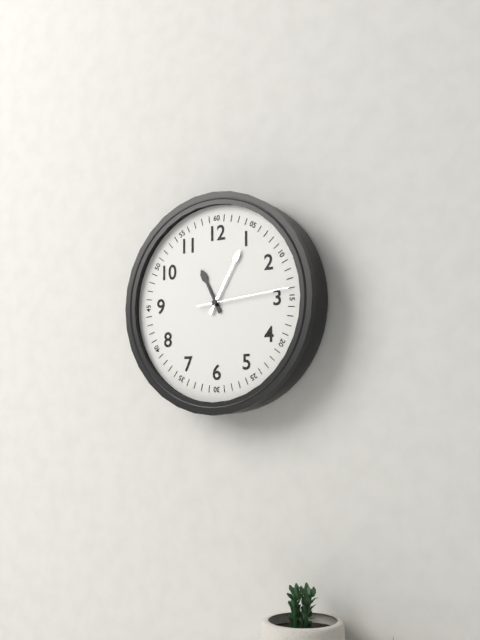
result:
{"hour": 11, "minute": 5, "second": 14}
